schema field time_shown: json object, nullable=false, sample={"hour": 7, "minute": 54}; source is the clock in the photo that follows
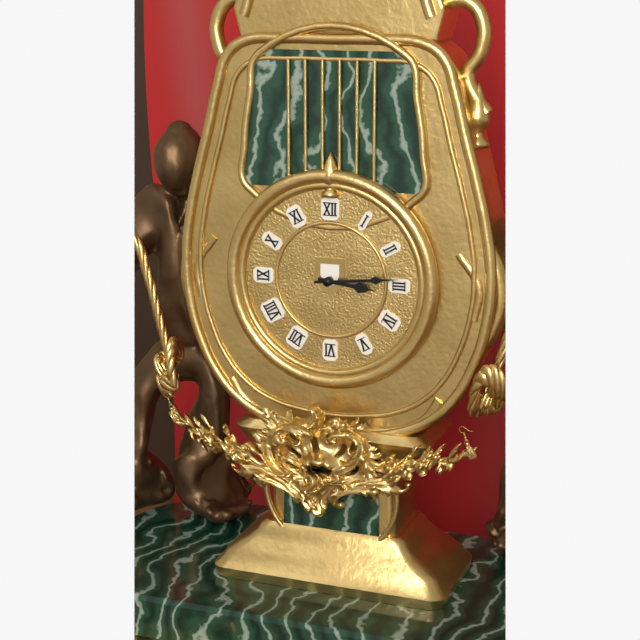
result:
{"hour": 3, "minute": 14}
